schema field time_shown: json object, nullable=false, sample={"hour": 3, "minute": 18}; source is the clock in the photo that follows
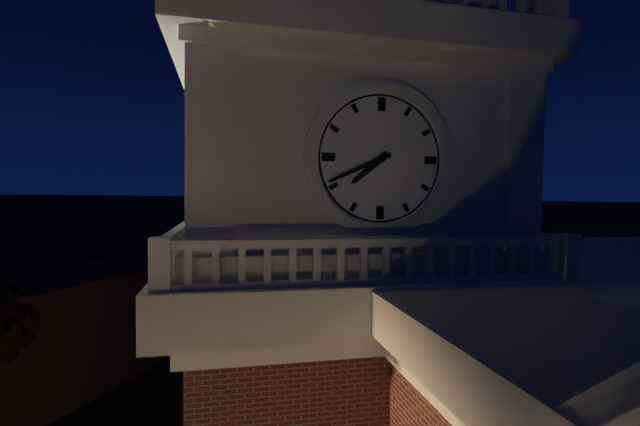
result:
{"hour": 7, "minute": 41}
